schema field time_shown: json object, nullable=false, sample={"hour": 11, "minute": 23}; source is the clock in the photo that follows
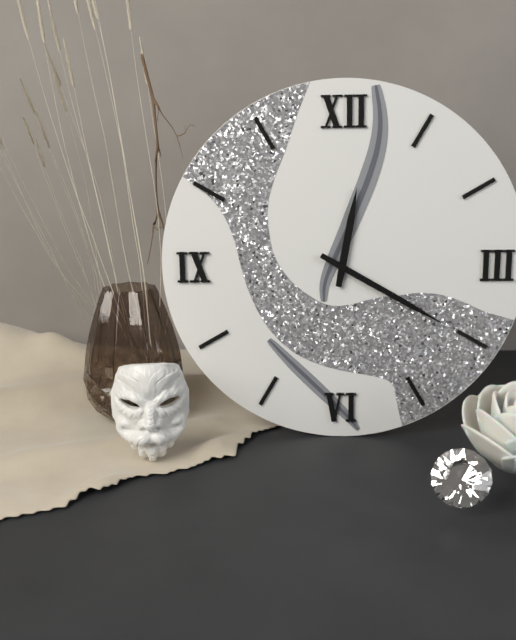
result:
{"hour": 12, "minute": 20}
